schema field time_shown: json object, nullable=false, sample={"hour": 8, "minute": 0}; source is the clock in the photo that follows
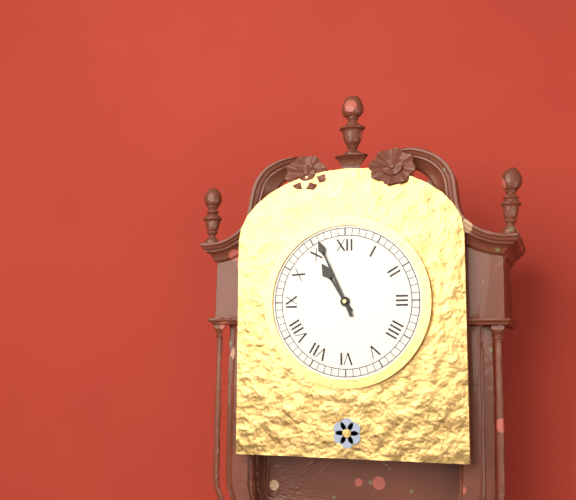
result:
{"hour": 10, "minute": 56}
